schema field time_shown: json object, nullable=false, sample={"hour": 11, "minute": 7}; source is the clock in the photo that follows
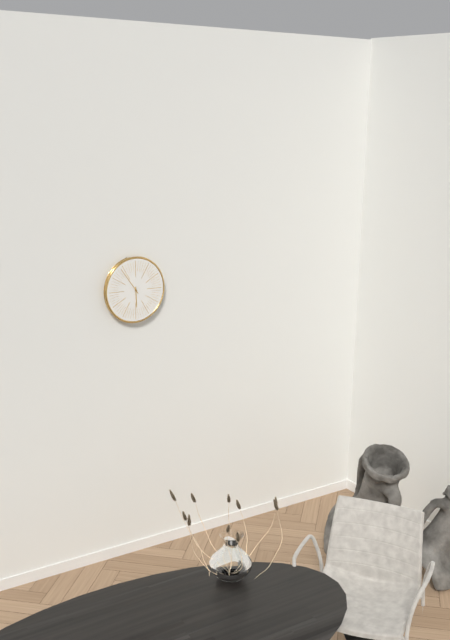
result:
{"hour": 5, "minute": 54}
